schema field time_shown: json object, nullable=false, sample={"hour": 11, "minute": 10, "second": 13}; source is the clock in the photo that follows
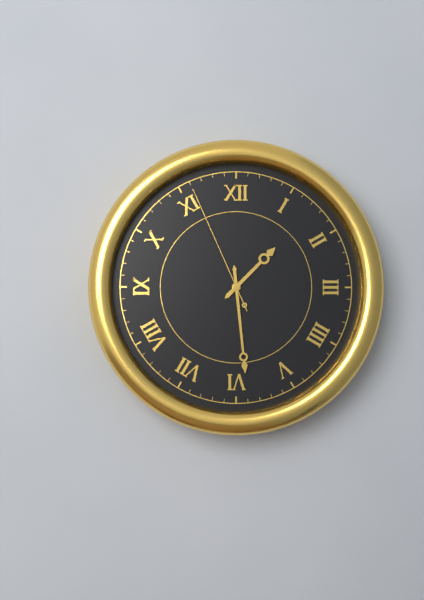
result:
{"hour": 1, "minute": 29, "second": 56}
